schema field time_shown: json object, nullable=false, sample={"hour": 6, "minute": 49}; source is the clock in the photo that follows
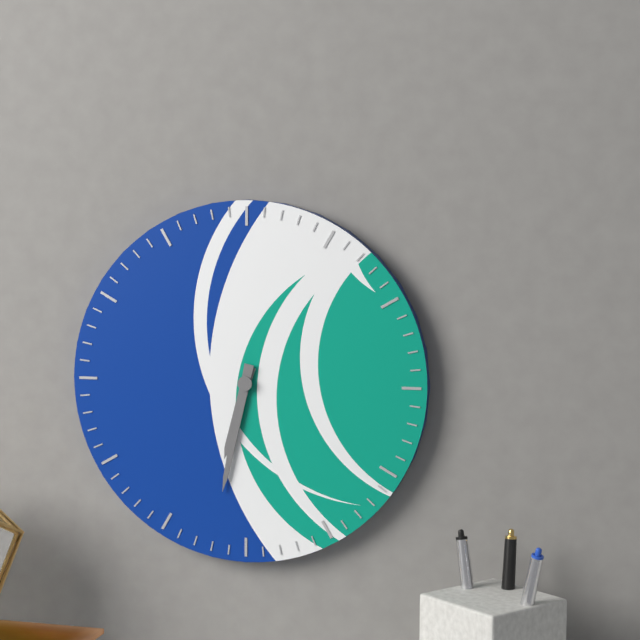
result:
{"hour": 6, "minute": 32}
